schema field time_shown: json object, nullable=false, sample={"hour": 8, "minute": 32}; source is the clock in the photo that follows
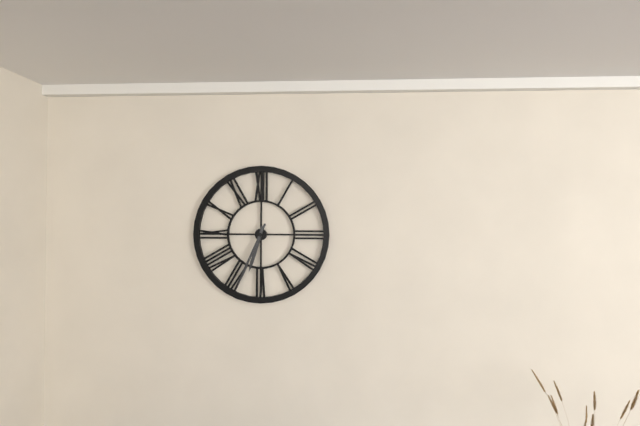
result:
{"hour": 6, "minute": 34}
